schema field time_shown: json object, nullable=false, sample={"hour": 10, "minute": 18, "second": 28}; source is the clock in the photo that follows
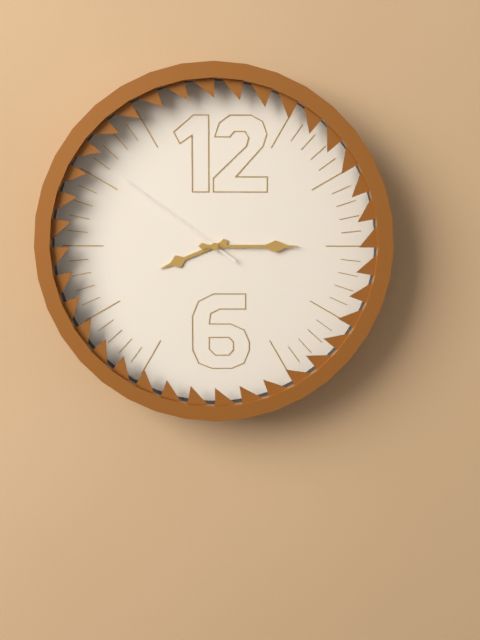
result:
{"hour": 8, "minute": 15, "second": 51}
